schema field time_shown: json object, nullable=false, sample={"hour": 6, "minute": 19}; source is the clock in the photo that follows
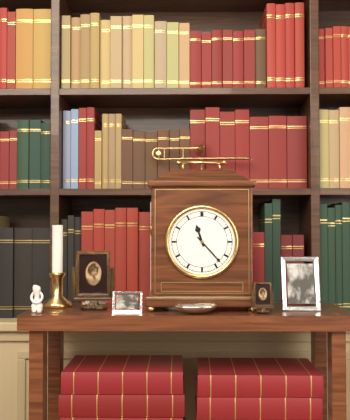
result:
{"hour": 11, "minute": 23}
